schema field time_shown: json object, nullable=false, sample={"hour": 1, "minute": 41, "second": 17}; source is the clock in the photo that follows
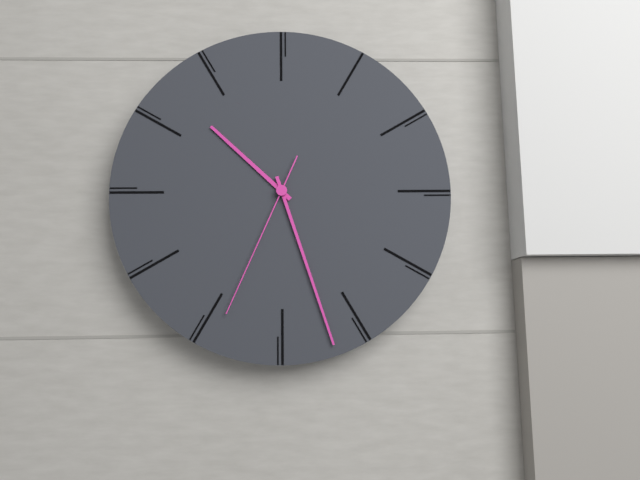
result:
{"hour": 10, "minute": 27, "second": 34}
